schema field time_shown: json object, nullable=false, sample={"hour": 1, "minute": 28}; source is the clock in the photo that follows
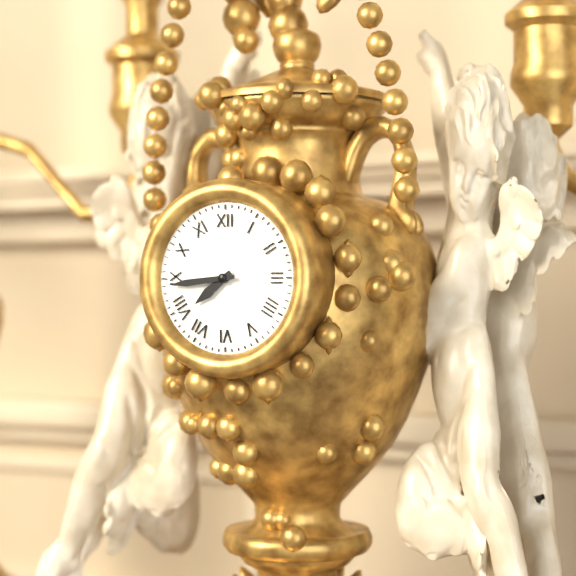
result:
{"hour": 7, "minute": 44}
